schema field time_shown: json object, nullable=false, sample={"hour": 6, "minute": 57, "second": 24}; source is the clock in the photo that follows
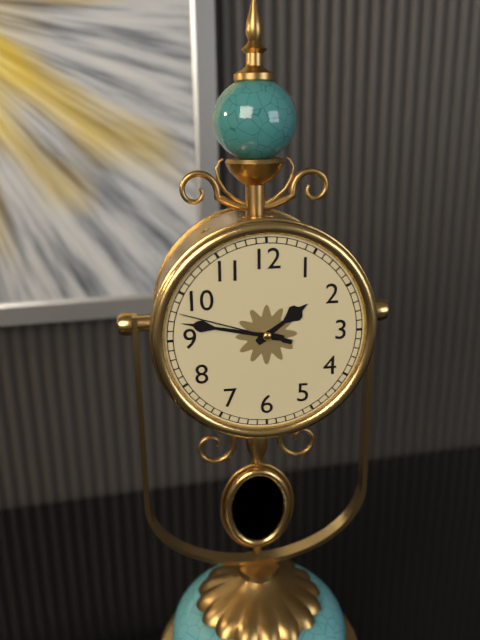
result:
{"hour": 1, "minute": 47, "second": 48}
